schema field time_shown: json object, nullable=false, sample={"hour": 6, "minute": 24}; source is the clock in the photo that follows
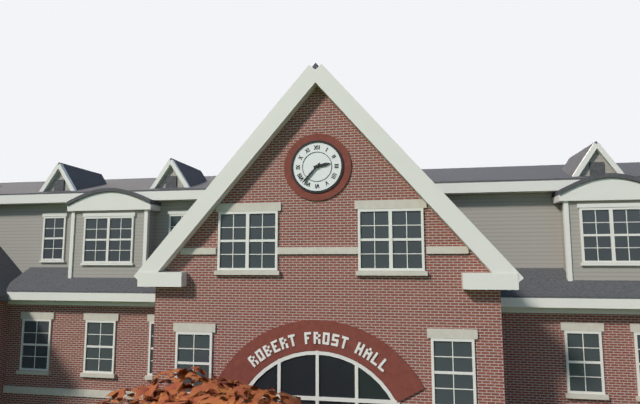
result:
{"hour": 2, "minute": 37}
